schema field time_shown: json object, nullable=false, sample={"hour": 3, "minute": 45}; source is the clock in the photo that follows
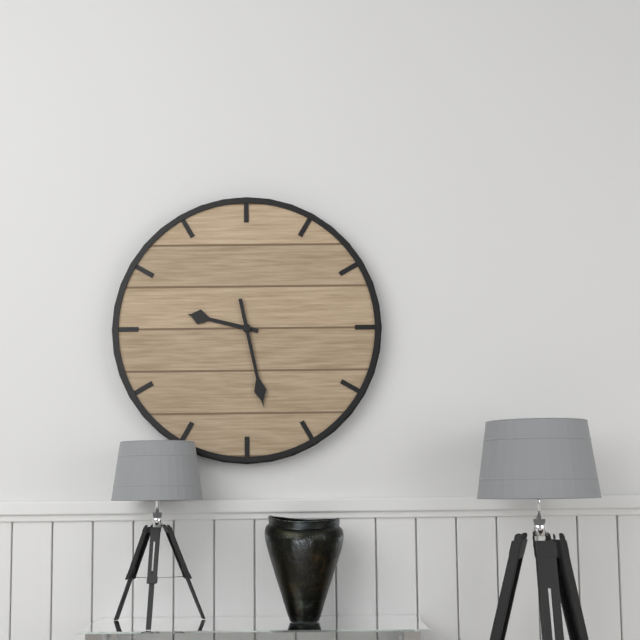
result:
{"hour": 9, "minute": 28}
